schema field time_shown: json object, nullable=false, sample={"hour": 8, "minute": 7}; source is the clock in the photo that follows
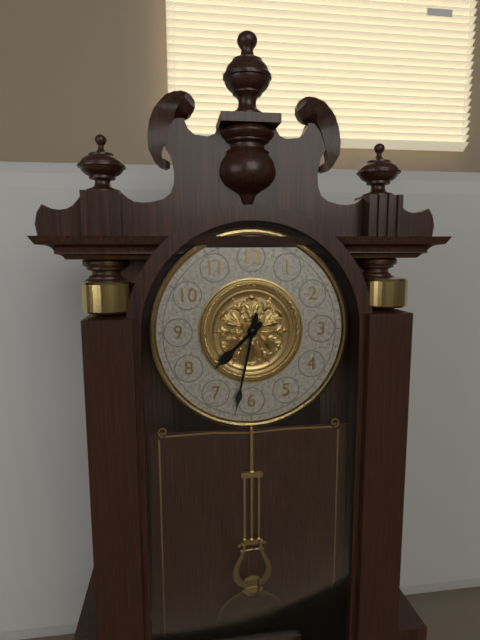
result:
{"hour": 7, "minute": 32}
